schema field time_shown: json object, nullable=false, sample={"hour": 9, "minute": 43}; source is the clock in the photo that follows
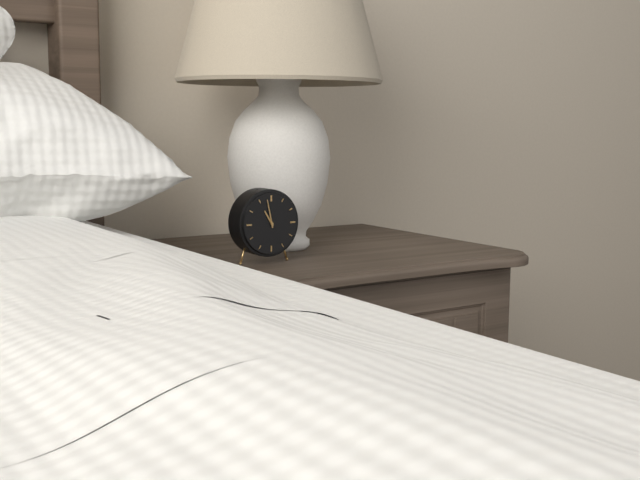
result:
{"hour": 10, "minute": 58}
